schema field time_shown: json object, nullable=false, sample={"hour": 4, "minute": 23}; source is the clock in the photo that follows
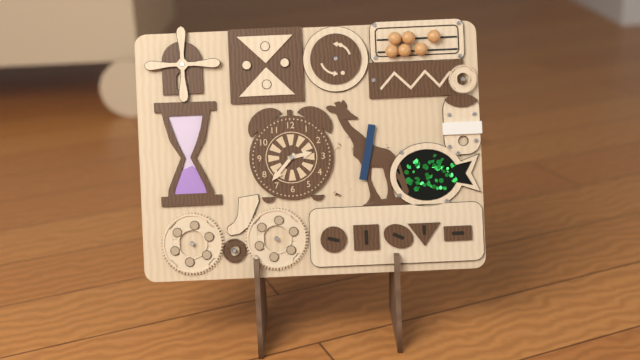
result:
{"hour": 2, "minute": 37}
